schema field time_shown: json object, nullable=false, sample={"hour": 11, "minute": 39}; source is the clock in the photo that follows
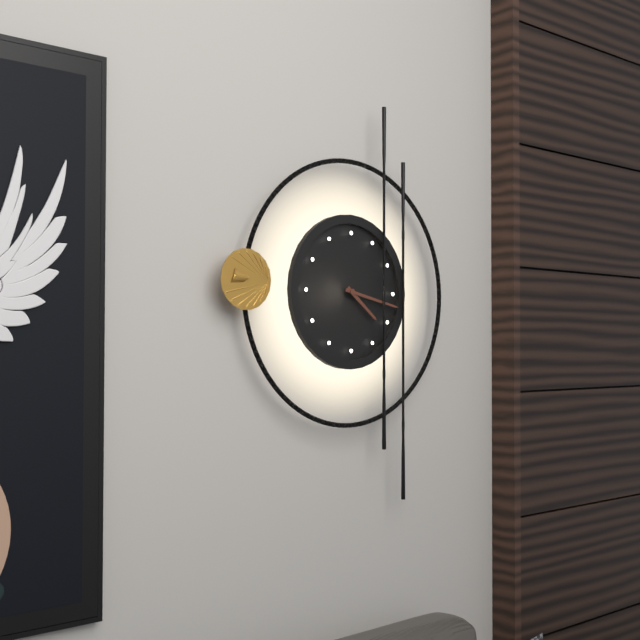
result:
{"hour": 4, "minute": 17}
